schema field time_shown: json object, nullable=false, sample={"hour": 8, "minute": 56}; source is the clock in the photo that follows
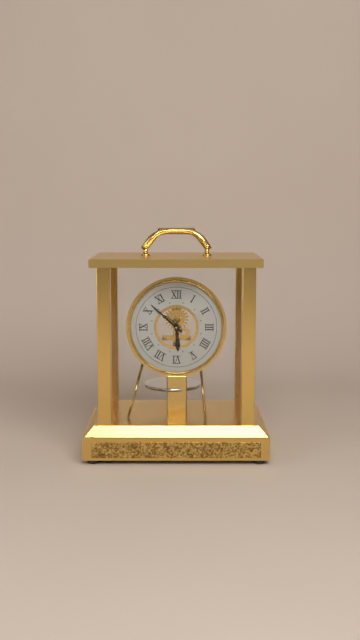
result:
{"hour": 5, "minute": 52}
